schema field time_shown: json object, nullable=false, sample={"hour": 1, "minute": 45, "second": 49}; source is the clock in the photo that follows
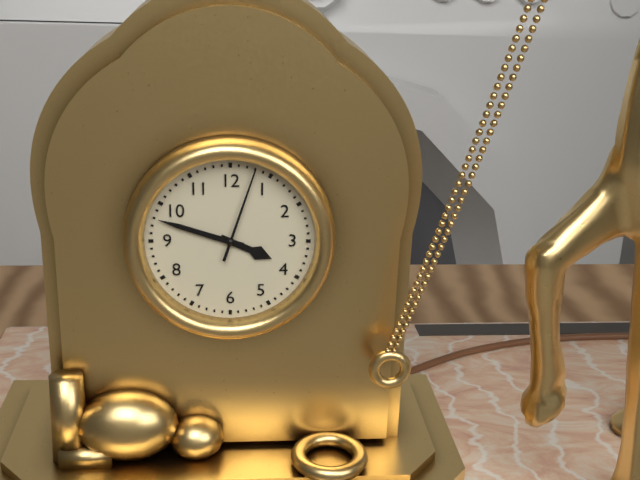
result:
{"hour": 3, "minute": 48, "second": 3}
